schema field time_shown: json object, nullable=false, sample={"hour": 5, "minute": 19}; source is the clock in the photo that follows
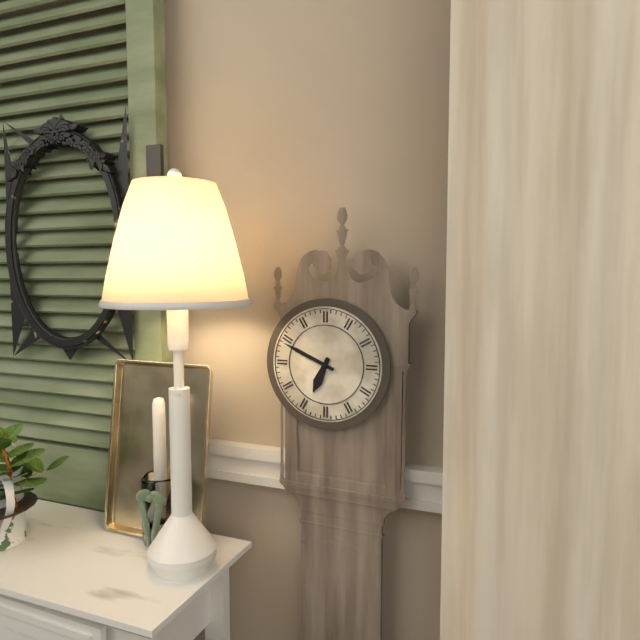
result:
{"hour": 6, "minute": 49}
